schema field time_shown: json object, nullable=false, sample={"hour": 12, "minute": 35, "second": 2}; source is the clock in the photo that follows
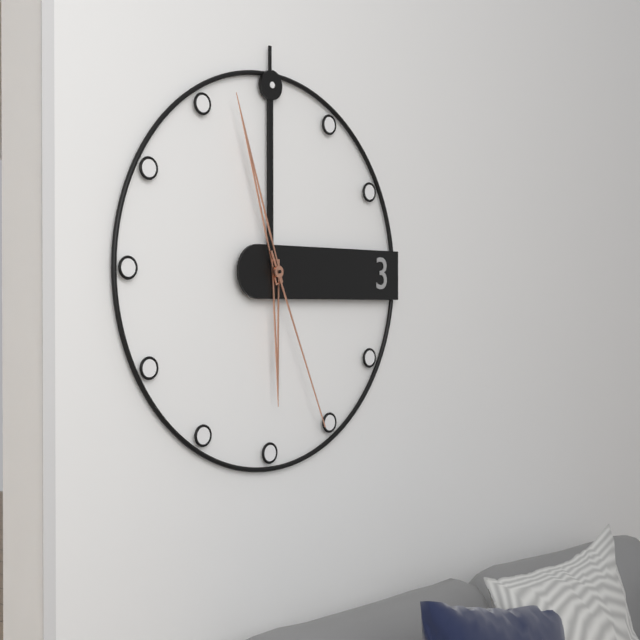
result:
{"hour": 5, "minute": 57, "second": 26}
